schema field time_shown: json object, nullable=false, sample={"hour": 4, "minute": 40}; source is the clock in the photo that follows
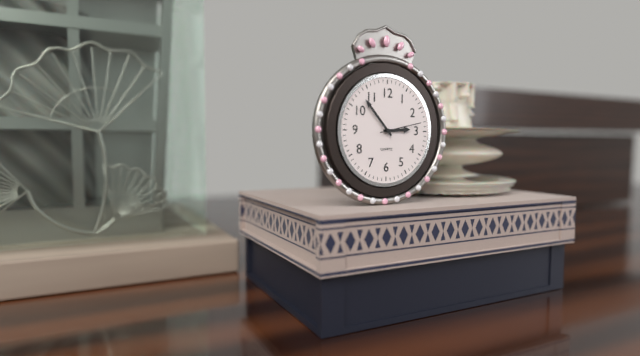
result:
{"hour": 2, "minute": 53}
